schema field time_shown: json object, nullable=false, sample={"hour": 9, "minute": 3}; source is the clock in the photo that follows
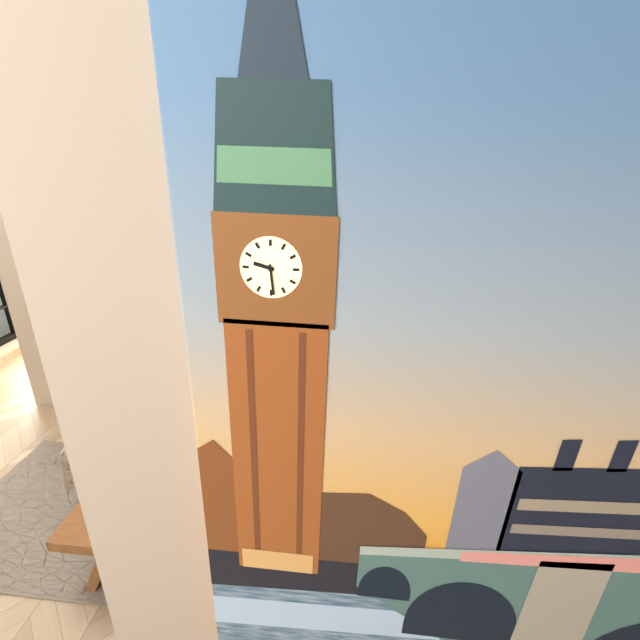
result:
{"hour": 9, "minute": 29}
